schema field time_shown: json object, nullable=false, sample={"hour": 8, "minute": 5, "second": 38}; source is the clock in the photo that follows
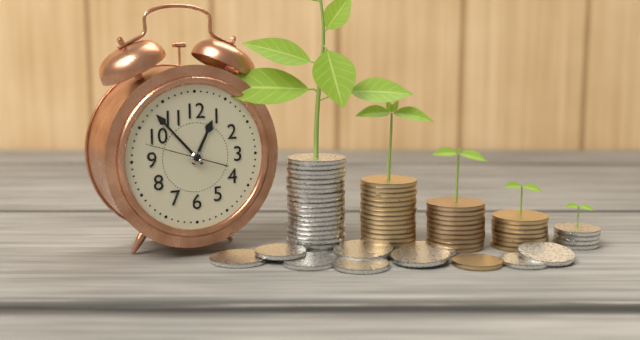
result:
{"hour": 12, "minute": 53, "second": 48}
